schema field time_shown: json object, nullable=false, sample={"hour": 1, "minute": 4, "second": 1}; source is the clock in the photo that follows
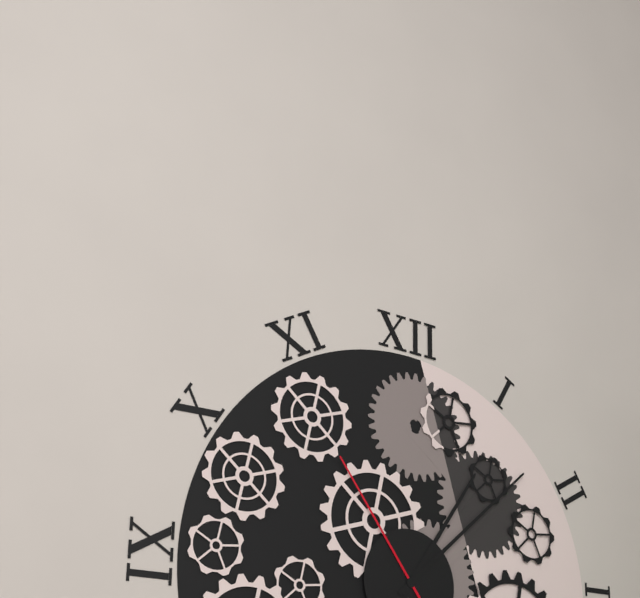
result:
{"hour": 1, "minute": 8, "second": 54}
